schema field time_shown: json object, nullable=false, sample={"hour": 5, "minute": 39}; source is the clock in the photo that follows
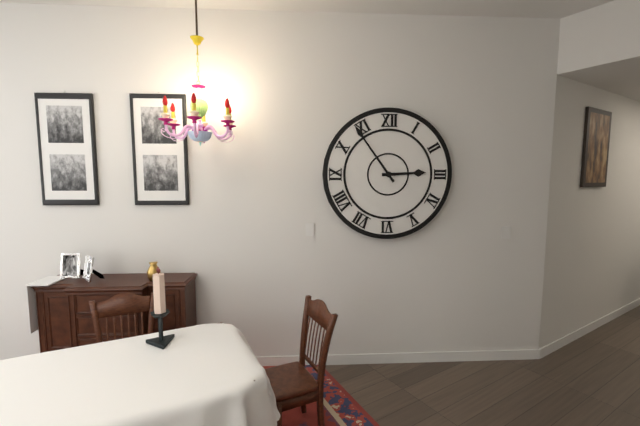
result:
{"hour": 2, "minute": 54}
